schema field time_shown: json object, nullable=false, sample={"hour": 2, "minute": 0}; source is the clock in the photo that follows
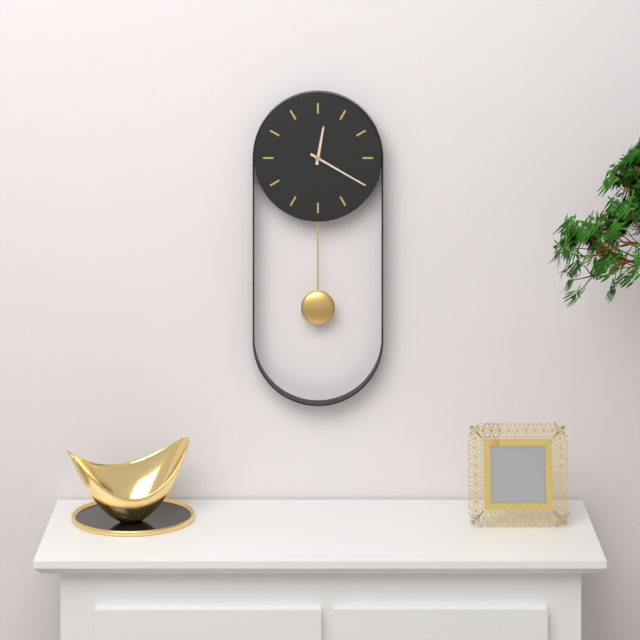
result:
{"hour": 12, "minute": 20}
